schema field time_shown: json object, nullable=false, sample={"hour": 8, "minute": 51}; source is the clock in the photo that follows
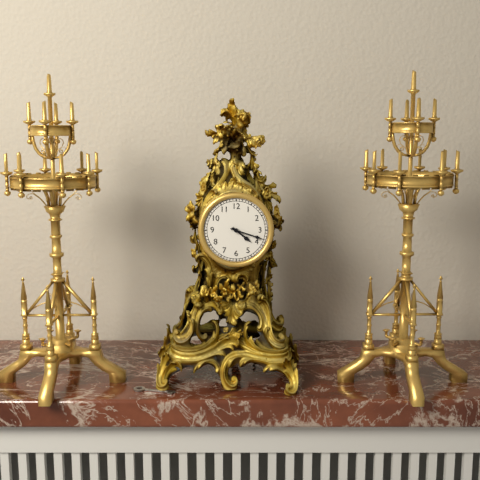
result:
{"hour": 4, "minute": 18}
